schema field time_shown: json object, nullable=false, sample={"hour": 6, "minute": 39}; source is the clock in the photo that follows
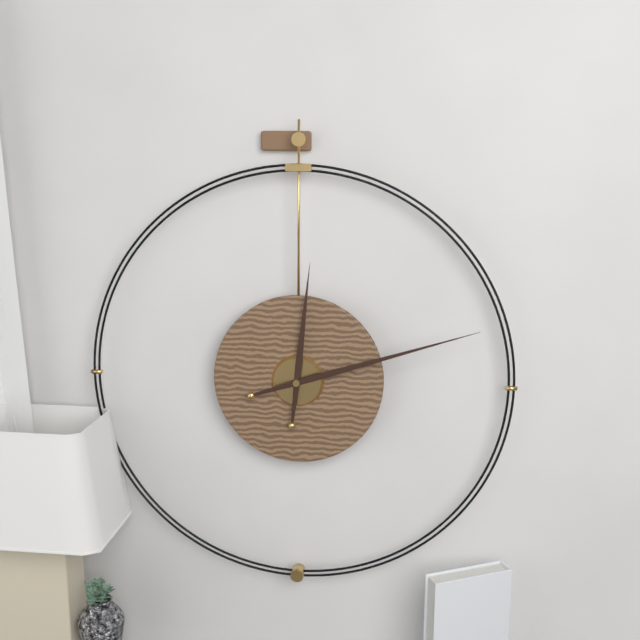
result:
{"hour": 12, "minute": 12}
